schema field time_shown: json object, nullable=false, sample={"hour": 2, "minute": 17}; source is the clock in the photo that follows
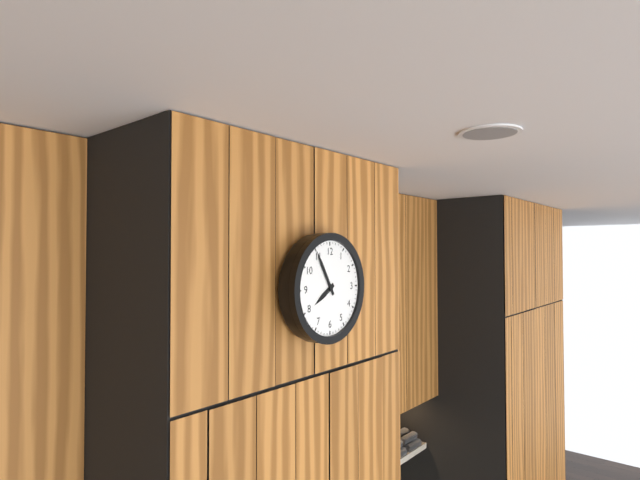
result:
{"hour": 7, "minute": 55}
